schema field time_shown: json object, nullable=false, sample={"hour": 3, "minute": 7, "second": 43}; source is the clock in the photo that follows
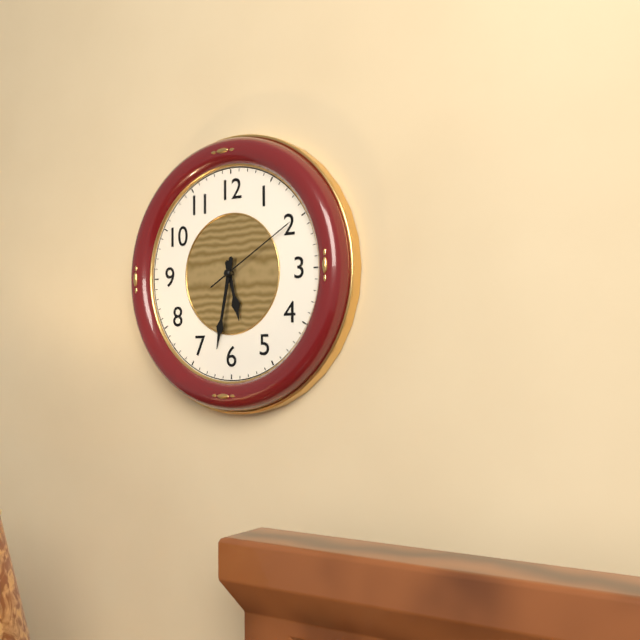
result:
{"hour": 5, "minute": 32, "second": 10}
